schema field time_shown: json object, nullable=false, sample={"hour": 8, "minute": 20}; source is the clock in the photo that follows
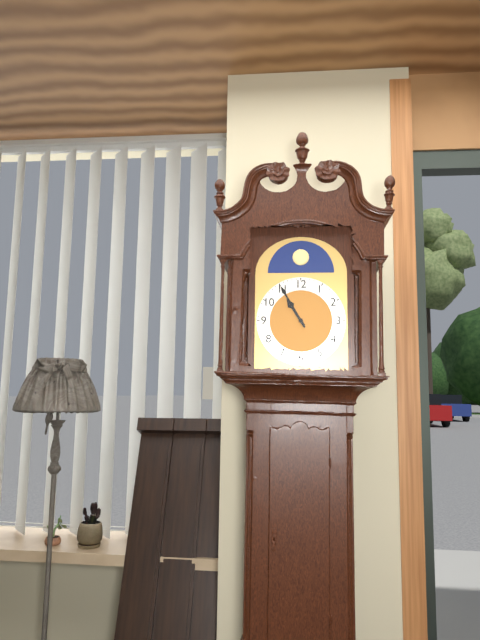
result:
{"hour": 10, "minute": 55}
